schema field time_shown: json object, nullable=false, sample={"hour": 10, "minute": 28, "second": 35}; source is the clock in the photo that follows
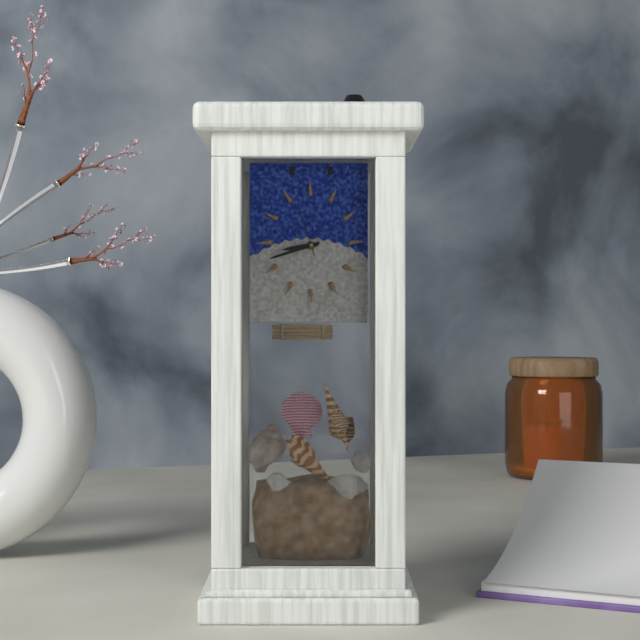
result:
{"hour": 8, "minute": 42, "second": 57}
